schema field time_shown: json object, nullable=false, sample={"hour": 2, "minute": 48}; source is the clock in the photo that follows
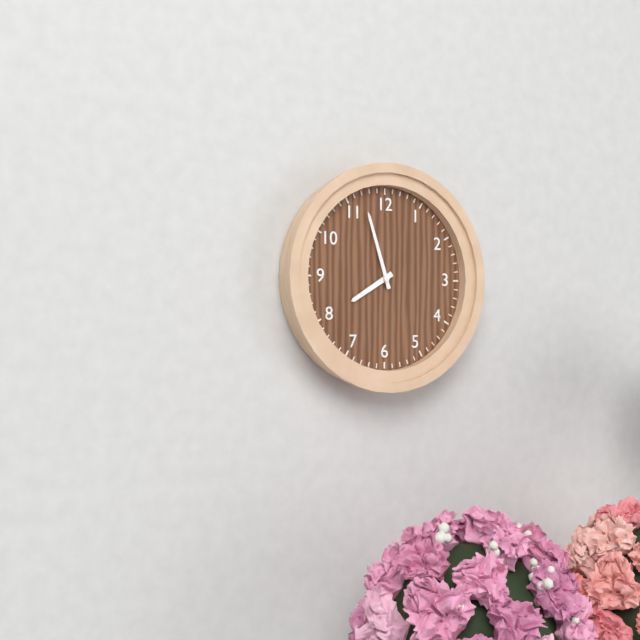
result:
{"hour": 7, "minute": 57}
